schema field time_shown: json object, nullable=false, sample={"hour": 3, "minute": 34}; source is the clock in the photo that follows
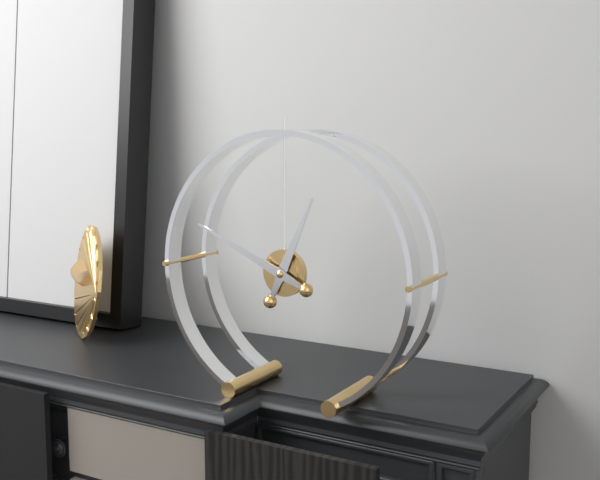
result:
{"hour": 12, "minute": 49}
